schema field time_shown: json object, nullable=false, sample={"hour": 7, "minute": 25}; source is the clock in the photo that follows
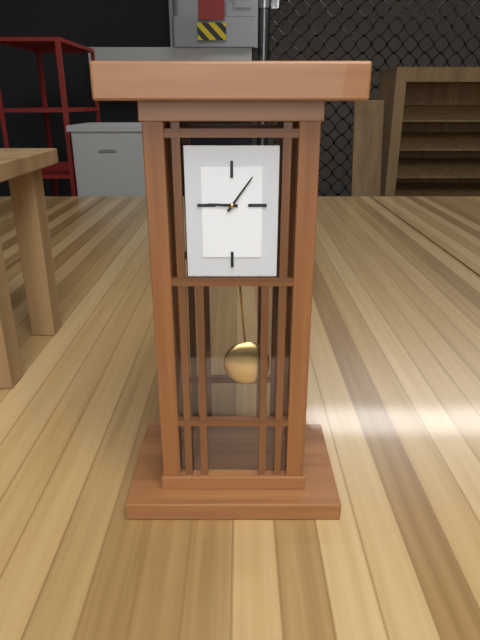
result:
{"hour": 9, "minute": 6}
